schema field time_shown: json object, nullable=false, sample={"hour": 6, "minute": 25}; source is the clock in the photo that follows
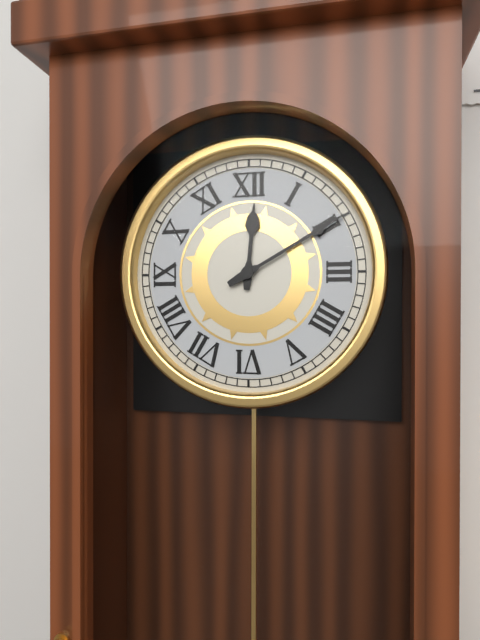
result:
{"hour": 12, "minute": 10}
